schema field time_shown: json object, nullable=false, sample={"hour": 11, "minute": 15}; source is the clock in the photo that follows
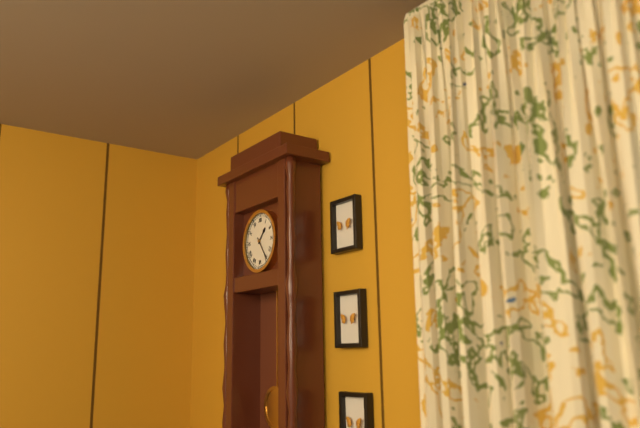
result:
{"hour": 1, "minute": 24}
